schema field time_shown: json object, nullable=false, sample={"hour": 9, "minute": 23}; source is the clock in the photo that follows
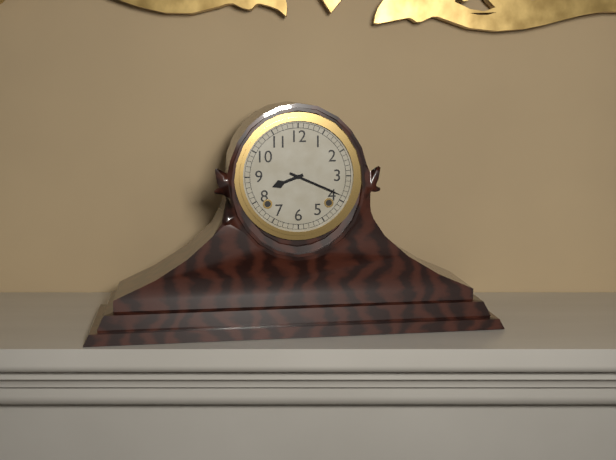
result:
{"hour": 8, "minute": 19}
